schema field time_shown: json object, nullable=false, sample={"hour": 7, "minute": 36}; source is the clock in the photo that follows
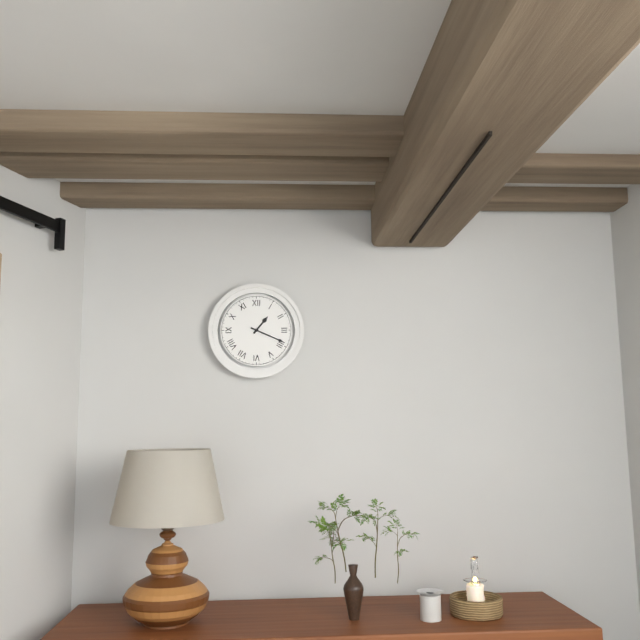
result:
{"hour": 1, "minute": 19}
